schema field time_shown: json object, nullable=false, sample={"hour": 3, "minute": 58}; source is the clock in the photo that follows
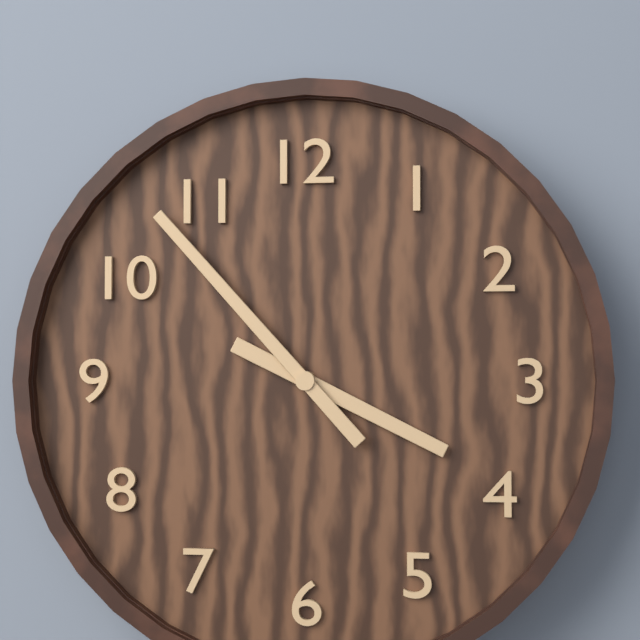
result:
{"hour": 3, "minute": 53}
